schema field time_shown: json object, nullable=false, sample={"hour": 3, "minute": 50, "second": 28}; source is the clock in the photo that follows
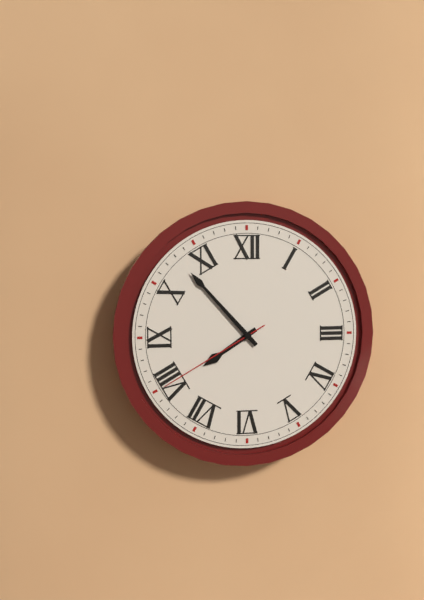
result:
{"hour": 7, "minute": 53, "second": 40}
